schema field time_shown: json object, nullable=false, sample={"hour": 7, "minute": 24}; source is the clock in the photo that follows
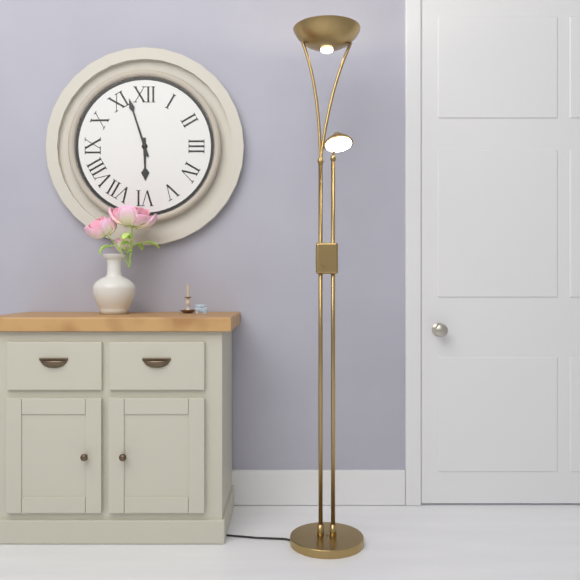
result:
{"hour": 5, "minute": 57}
